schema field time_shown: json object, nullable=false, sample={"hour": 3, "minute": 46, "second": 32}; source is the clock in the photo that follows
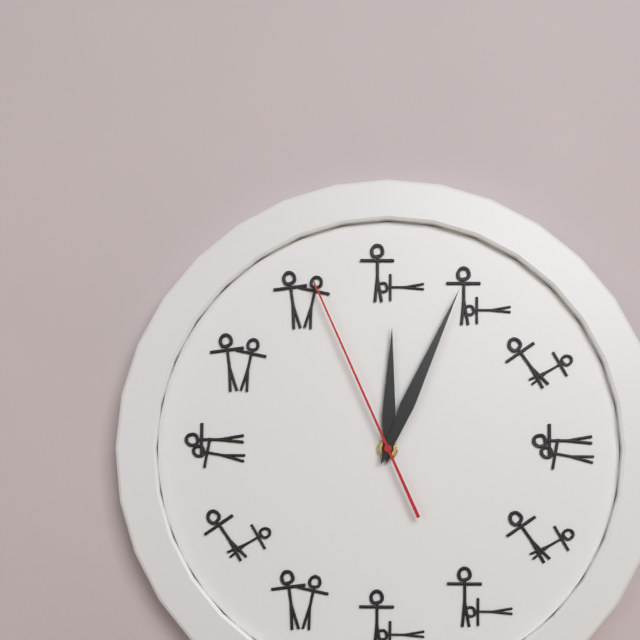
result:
{"hour": 12, "minute": 4, "second": 56}
